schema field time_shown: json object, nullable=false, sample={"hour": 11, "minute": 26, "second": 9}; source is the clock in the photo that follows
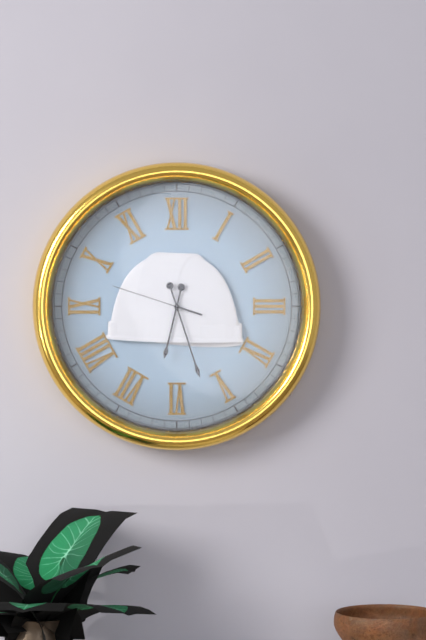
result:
{"hour": 6, "minute": 27, "second": 48}
